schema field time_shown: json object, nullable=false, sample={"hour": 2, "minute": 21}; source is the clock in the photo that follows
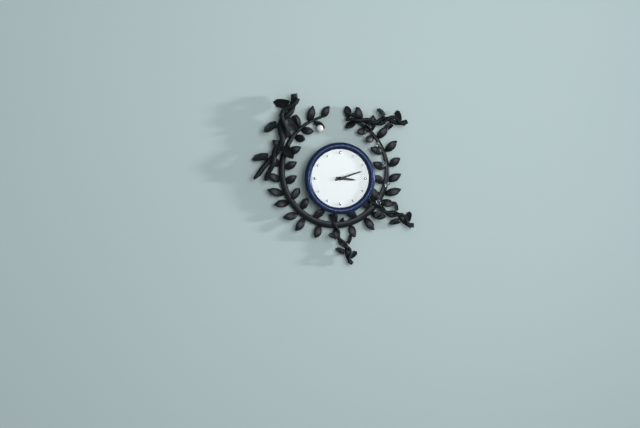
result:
{"hour": 3, "minute": 12}
